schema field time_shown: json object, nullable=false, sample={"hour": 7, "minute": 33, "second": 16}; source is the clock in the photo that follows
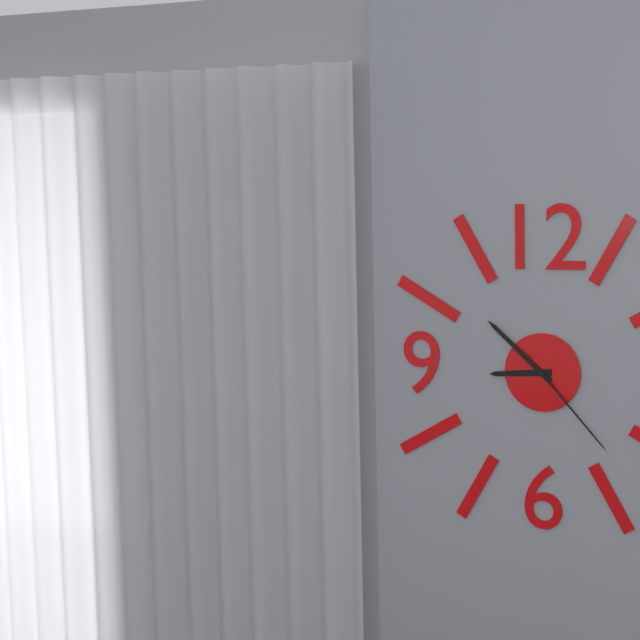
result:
{"hour": 8, "minute": 52, "second": 23}
